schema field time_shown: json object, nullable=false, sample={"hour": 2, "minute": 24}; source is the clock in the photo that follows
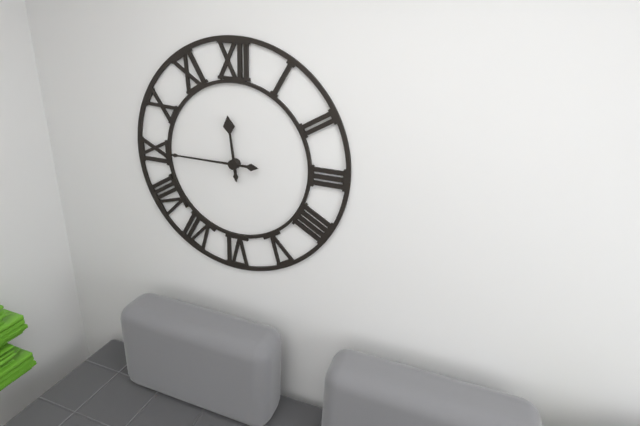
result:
{"hour": 11, "minute": 45}
